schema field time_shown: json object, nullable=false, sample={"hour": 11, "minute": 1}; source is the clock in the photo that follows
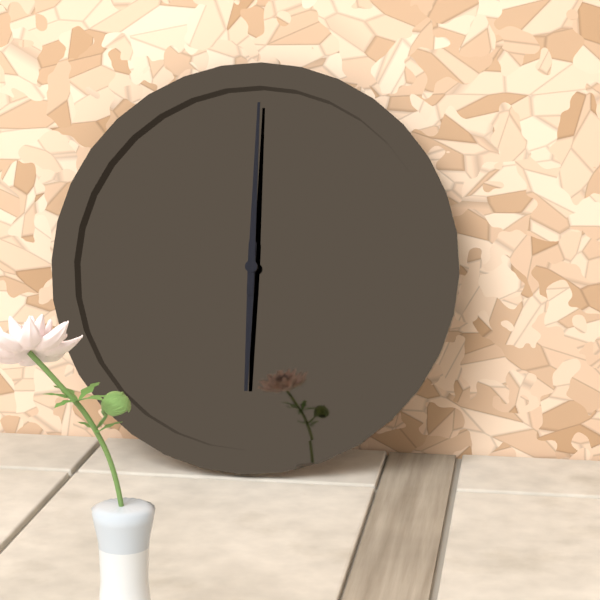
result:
{"hour": 6, "minute": 0}
